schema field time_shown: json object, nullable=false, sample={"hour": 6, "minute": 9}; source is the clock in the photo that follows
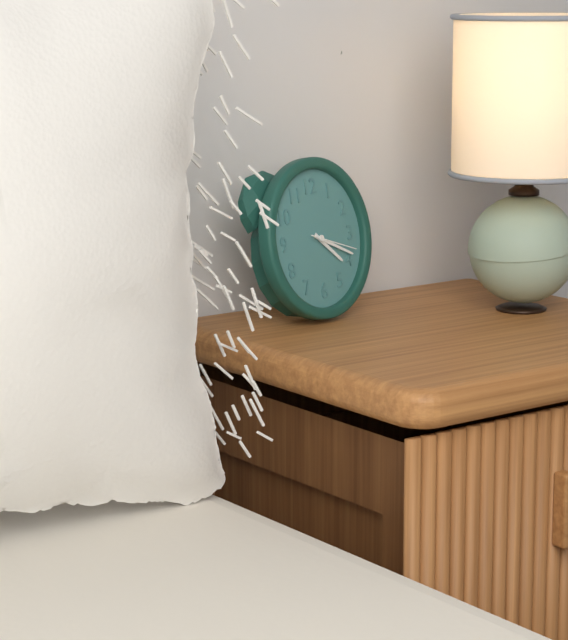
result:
{"hour": 4, "minute": 19}
